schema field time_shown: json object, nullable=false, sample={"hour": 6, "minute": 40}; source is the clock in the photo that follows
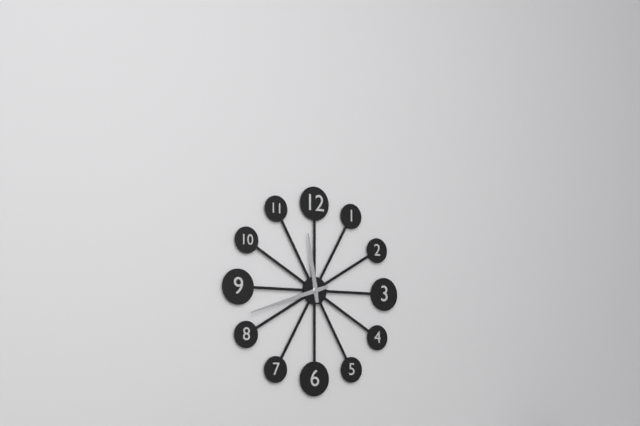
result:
{"hour": 11, "minute": 42}
